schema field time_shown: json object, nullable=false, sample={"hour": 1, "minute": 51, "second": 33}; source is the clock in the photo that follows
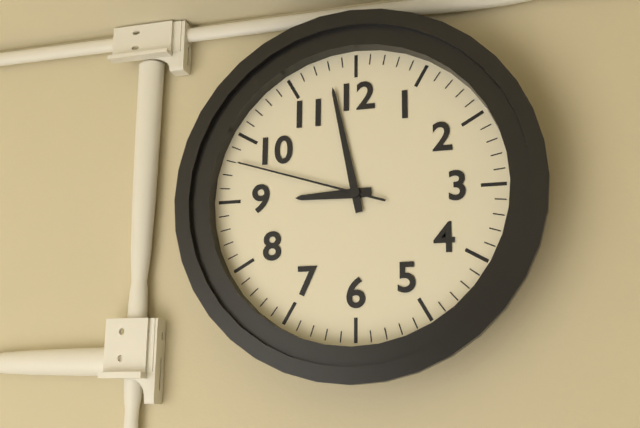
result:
{"hour": 8, "minute": 58, "second": 48}
